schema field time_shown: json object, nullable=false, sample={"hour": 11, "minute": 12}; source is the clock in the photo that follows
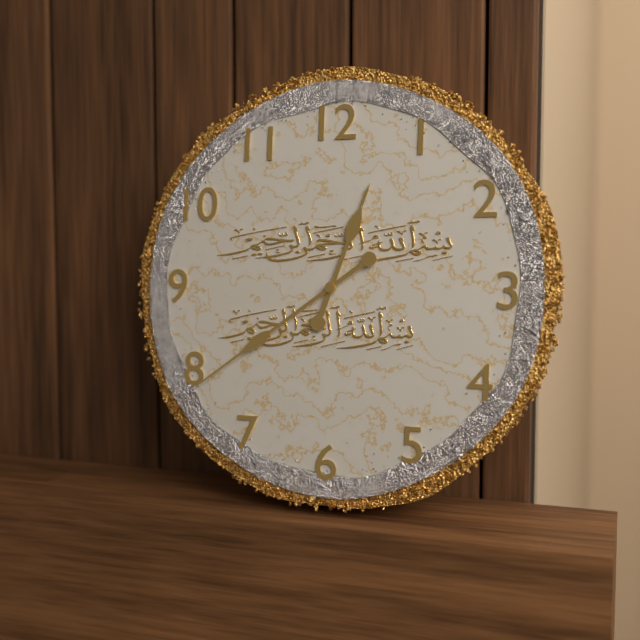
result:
{"hour": 12, "minute": 39}
